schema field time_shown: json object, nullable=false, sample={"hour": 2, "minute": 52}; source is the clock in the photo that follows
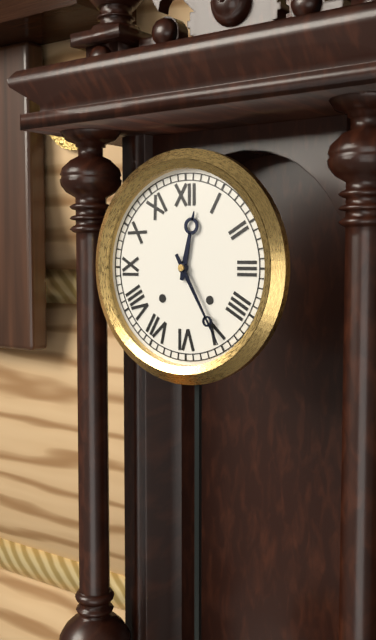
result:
{"hour": 12, "minute": 25}
